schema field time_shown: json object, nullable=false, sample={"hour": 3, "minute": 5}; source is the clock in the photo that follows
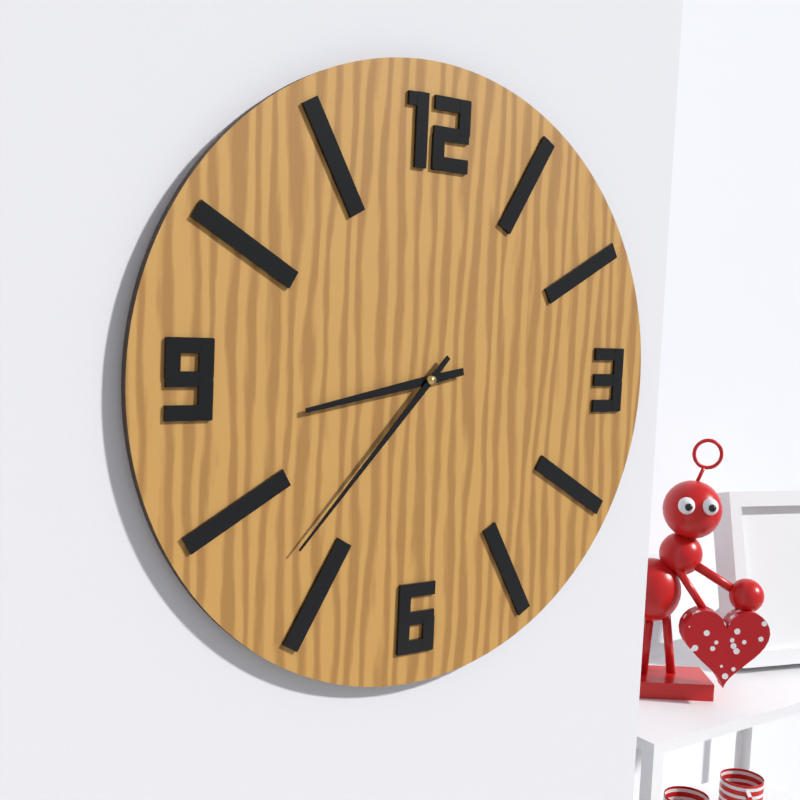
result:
{"hour": 8, "minute": 37}
